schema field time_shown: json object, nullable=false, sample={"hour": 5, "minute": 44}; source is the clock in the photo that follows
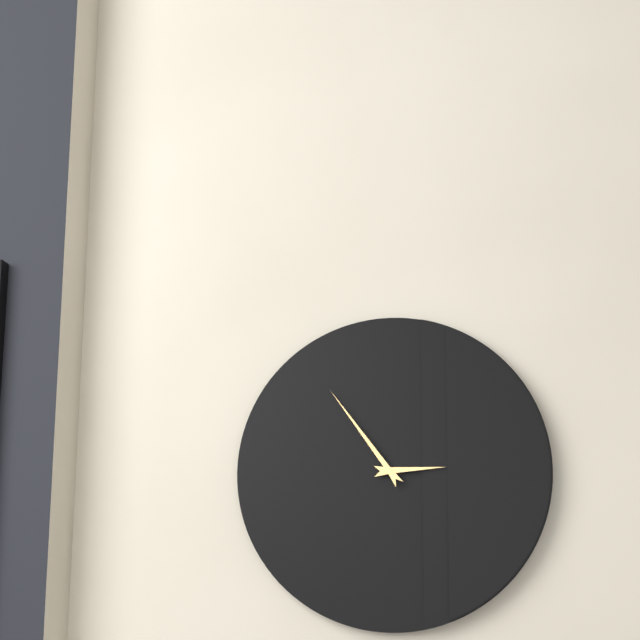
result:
{"hour": 2, "minute": 54}
